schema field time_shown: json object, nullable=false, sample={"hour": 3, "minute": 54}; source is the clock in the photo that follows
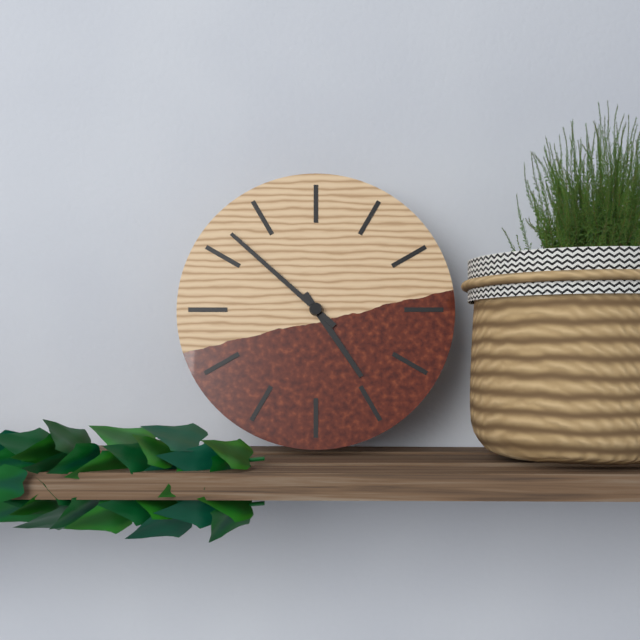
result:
{"hour": 4, "minute": 52}
